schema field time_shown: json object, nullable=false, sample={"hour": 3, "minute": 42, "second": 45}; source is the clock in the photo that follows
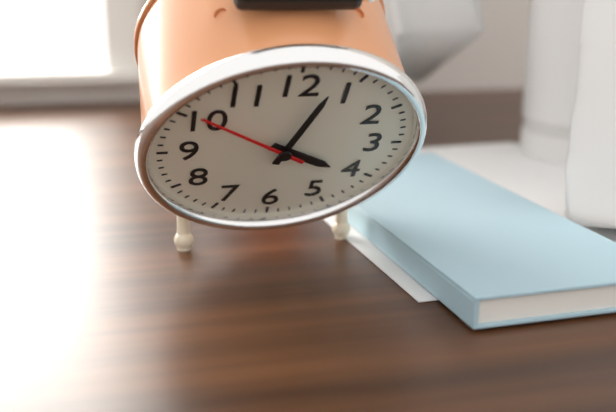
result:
{"hour": 4, "minute": 3, "second": 51}
